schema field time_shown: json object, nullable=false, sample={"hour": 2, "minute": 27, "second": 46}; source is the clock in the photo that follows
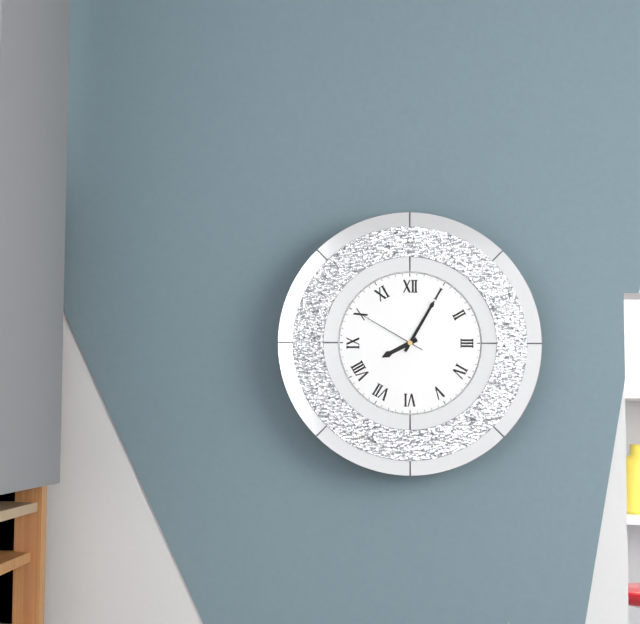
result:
{"hour": 8, "minute": 5, "second": 50}
